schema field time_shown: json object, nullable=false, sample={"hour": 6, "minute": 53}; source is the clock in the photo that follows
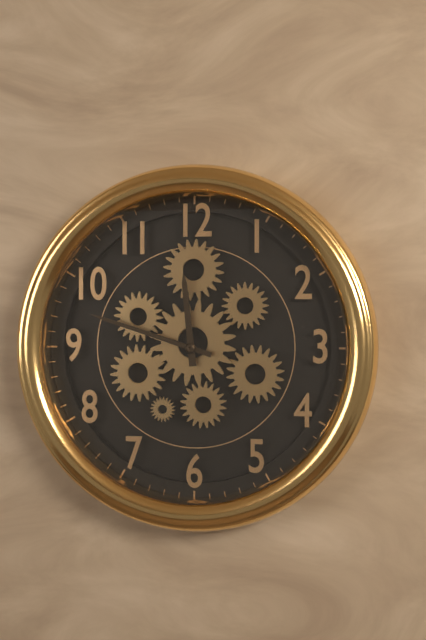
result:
{"hour": 11, "minute": 48}
